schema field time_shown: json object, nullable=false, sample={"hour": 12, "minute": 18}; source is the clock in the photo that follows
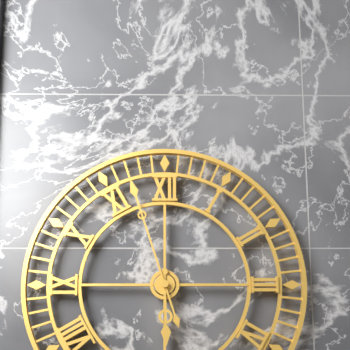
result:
{"hour": 5, "minute": 57}
